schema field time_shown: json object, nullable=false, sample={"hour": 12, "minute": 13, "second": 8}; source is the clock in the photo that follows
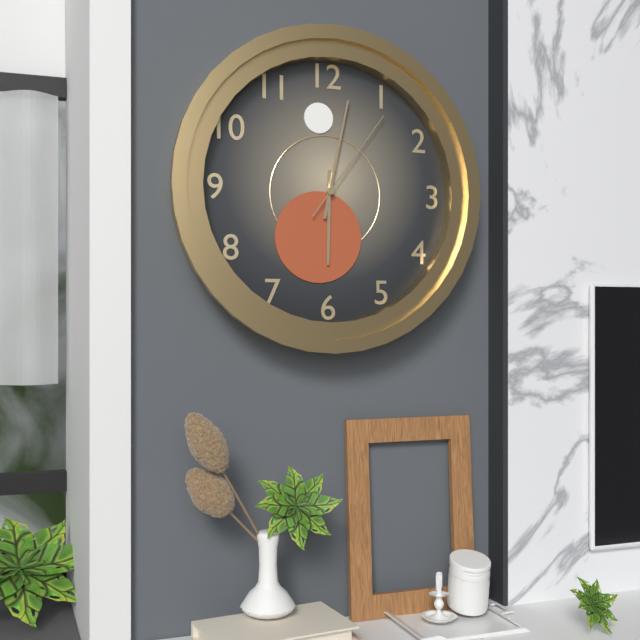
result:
{"hour": 6, "minute": 2, "second": 6}
